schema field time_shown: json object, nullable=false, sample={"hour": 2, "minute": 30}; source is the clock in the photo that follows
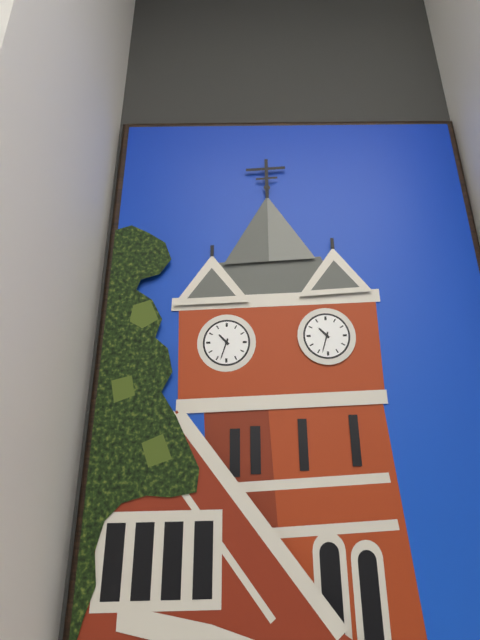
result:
{"hour": 10, "minute": 33}
